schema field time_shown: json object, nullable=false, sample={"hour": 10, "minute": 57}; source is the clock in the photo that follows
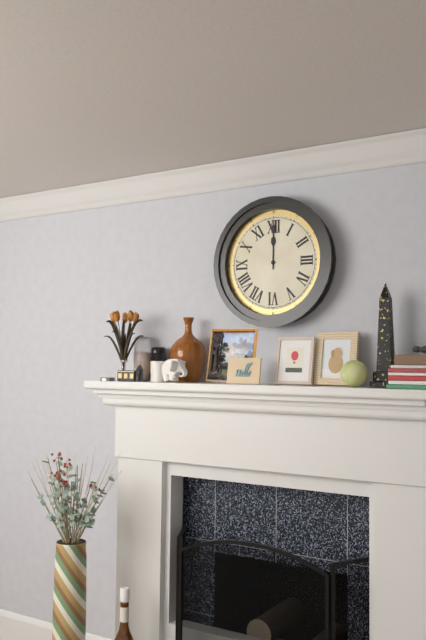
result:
{"hour": 12, "minute": 0}
